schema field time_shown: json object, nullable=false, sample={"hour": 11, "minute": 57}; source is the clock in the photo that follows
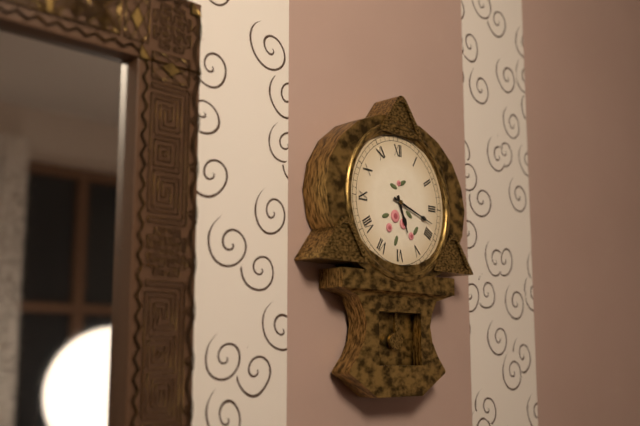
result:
{"hour": 5, "minute": 18}
